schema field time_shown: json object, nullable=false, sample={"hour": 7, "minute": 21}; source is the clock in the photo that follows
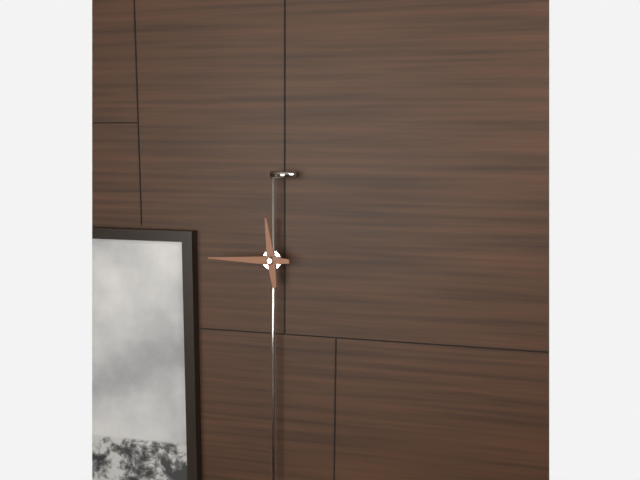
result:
{"hour": 11, "minute": 45}
